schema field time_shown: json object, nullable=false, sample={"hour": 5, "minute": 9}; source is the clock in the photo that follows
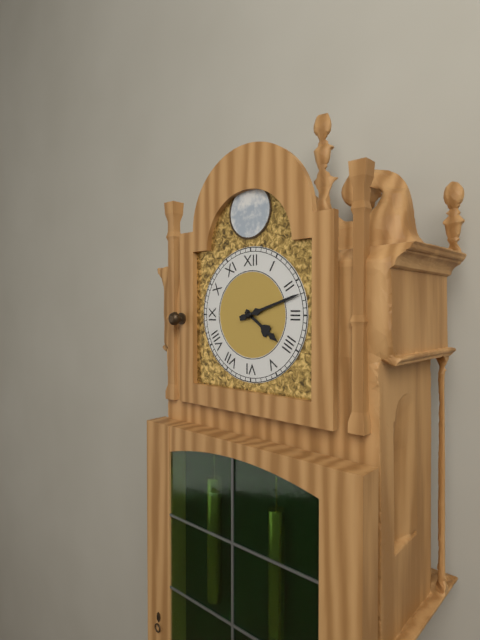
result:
{"hour": 4, "minute": 12}
